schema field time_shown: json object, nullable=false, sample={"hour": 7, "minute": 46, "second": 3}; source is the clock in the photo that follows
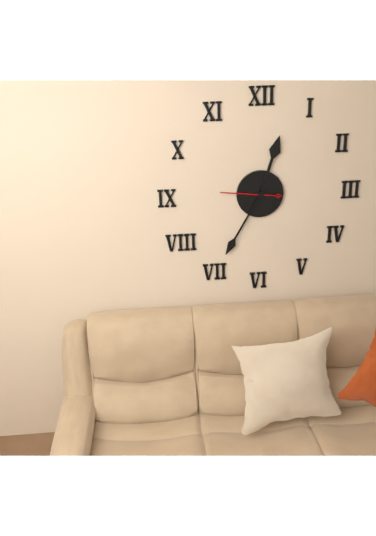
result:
{"hour": 12, "minute": 35, "second": 46}
